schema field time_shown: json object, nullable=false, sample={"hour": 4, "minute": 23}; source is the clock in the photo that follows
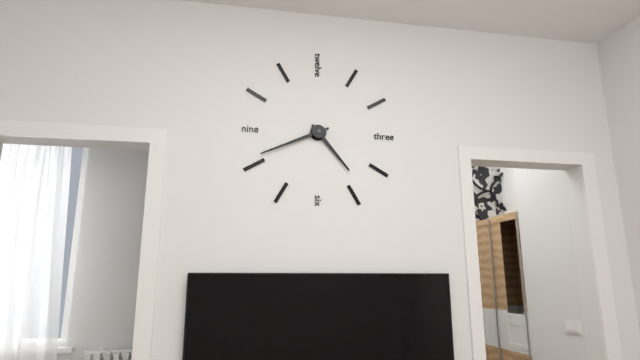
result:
{"hour": 4, "minute": 41}
